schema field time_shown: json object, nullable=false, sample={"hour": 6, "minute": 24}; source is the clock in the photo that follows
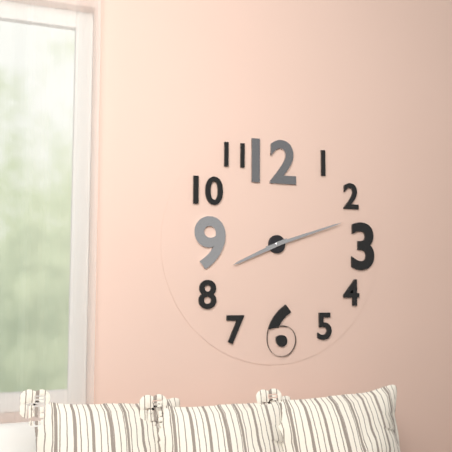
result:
{"hour": 8, "minute": 12}
